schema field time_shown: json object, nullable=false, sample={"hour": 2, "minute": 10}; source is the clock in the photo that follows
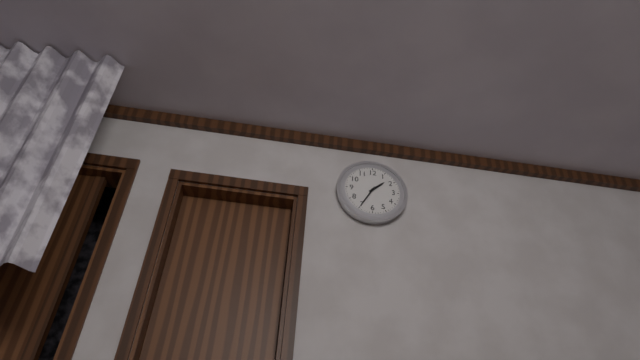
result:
{"hour": 1, "minute": 35}
